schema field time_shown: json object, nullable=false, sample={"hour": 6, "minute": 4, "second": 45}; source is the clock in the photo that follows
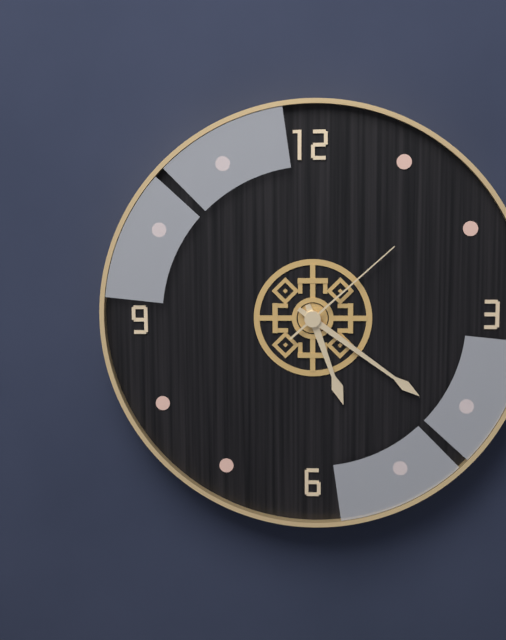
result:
{"hour": 5, "minute": 21, "second": 8}
